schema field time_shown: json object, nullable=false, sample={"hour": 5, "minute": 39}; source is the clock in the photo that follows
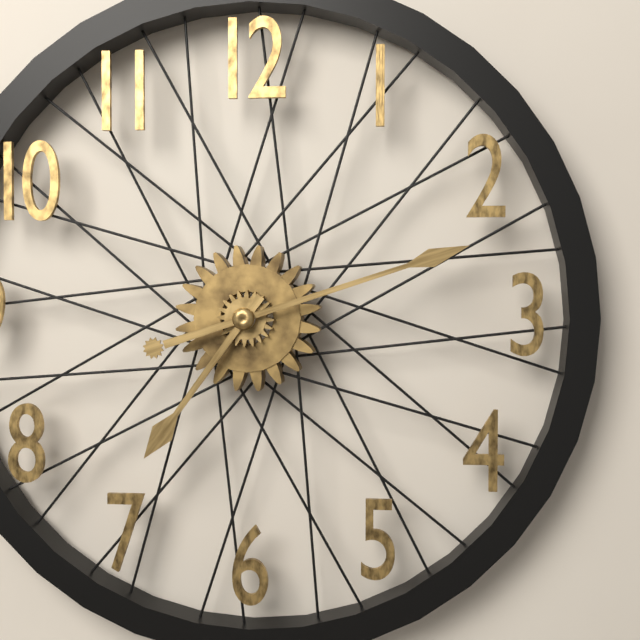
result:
{"hour": 7, "minute": 12}
